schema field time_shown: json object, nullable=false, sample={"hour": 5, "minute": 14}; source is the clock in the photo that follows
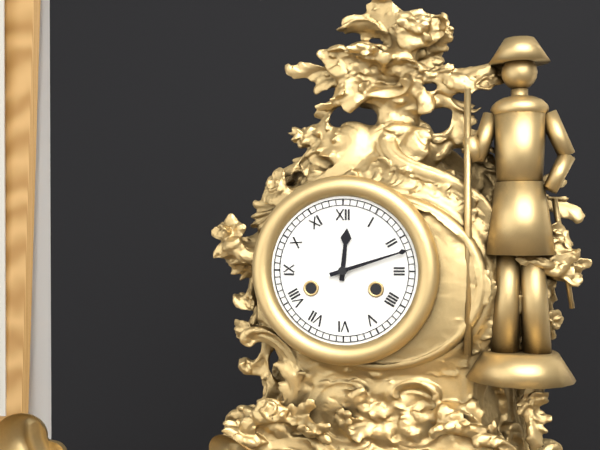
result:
{"hour": 12, "minute": 12}
